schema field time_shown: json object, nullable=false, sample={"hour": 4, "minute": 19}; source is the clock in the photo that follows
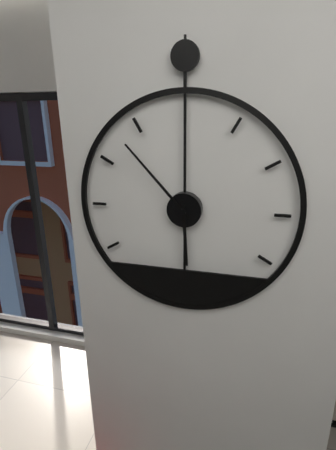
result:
{"hour": 5, "minute": 53}
